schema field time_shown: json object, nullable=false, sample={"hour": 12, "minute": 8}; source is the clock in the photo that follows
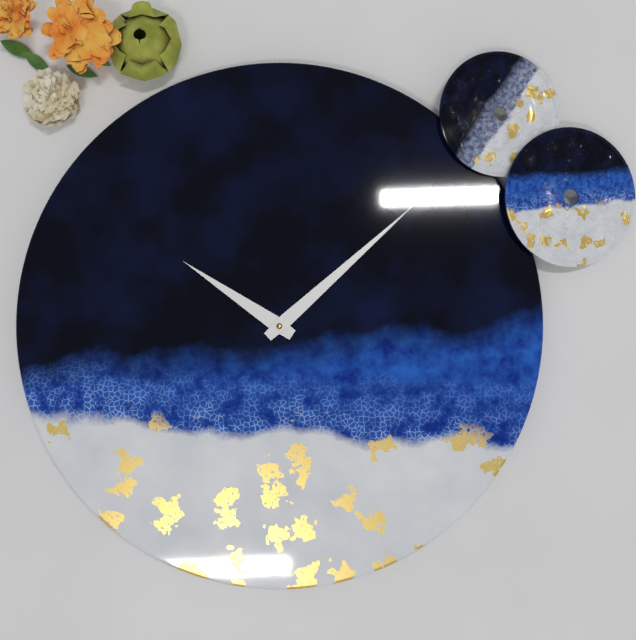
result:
{"hour": 10, "minute": 8}
